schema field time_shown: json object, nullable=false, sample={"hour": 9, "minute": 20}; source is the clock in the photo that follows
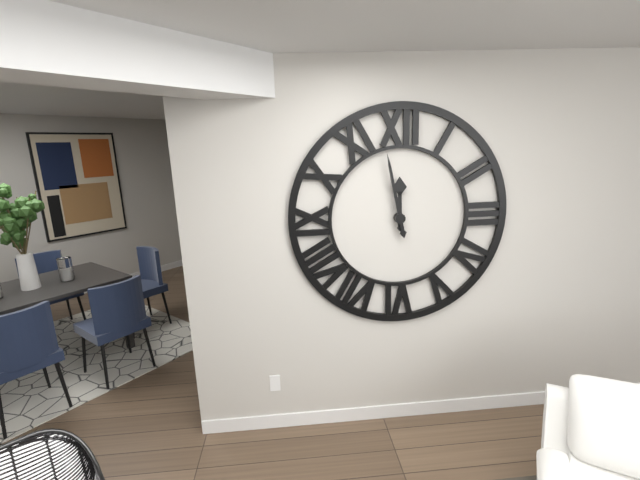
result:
{"hour": 11, "minute": 58}
